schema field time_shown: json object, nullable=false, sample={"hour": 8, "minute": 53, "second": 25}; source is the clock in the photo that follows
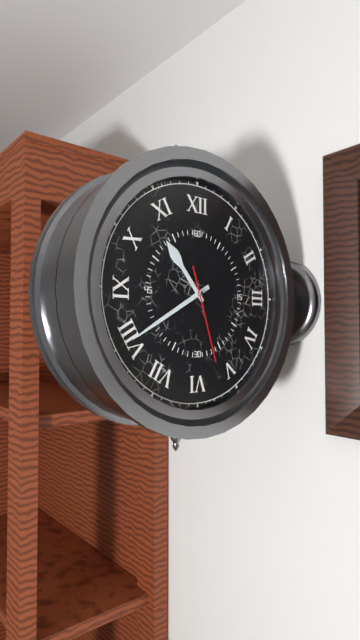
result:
{"hour": 10, "minute": 40, "second": 27}
